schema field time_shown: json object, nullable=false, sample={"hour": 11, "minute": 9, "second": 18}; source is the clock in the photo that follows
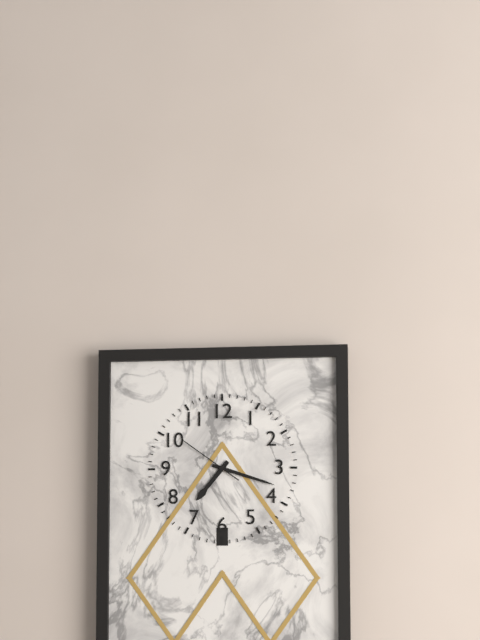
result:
{"hour": 7, "minute": 18, "second": 51}
